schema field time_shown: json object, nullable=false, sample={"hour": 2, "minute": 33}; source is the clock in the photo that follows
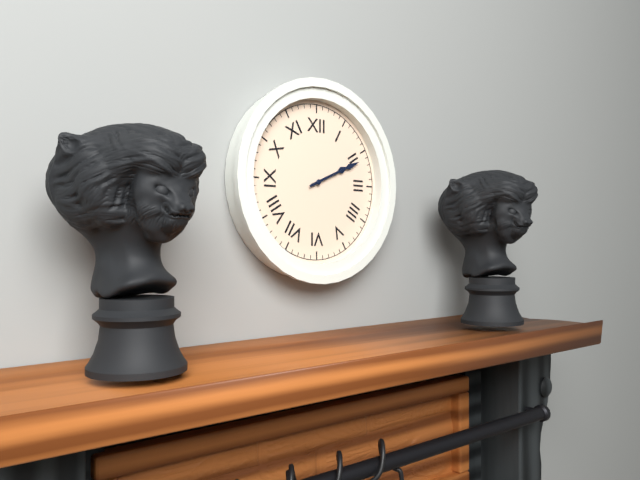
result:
{"hour": 2, "minute": 11}
